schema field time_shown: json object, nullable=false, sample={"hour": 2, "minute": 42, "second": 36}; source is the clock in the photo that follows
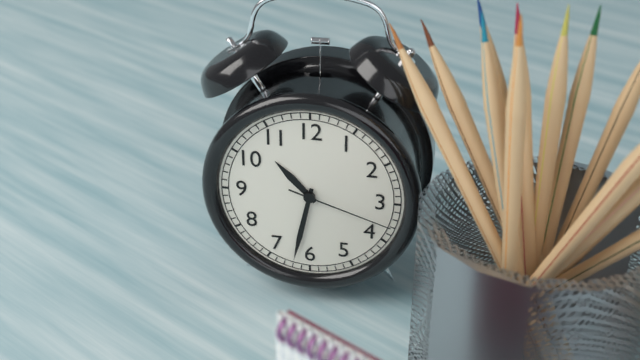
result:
{"hour": 10, "minute": 32, "second": 18}
